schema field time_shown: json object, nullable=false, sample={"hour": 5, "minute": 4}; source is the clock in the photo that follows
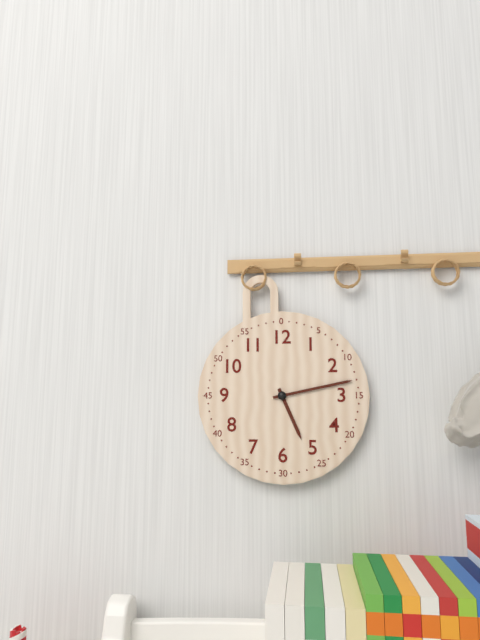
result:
{"hour": 5, "minute": 13}
